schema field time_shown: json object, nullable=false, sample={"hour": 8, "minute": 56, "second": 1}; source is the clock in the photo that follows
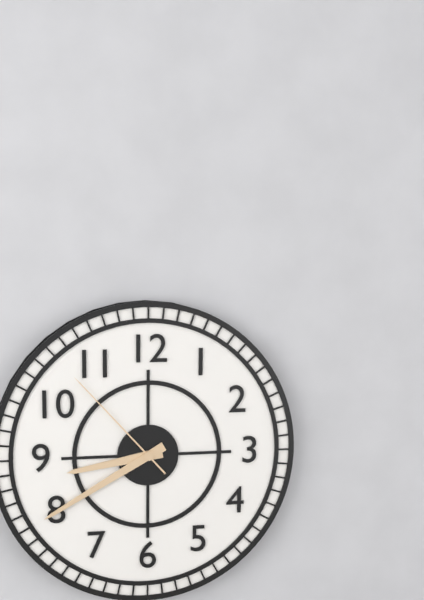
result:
{"hour": 8, "minute": 40, "second": 53}
